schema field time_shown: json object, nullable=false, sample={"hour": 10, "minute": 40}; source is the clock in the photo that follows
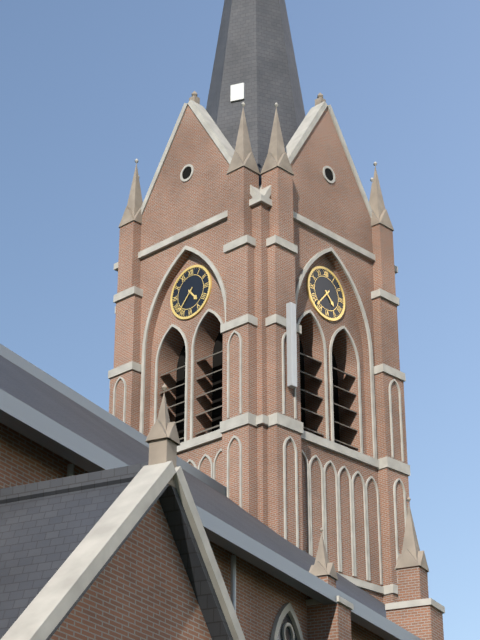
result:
{"hour": 4, "minute": 37}
